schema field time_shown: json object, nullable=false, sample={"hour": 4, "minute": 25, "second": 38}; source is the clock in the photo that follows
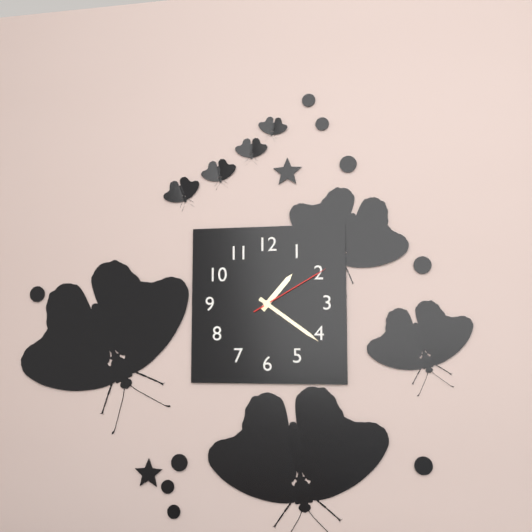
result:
{"hour": 1, "minute": 21, "second": 10}
